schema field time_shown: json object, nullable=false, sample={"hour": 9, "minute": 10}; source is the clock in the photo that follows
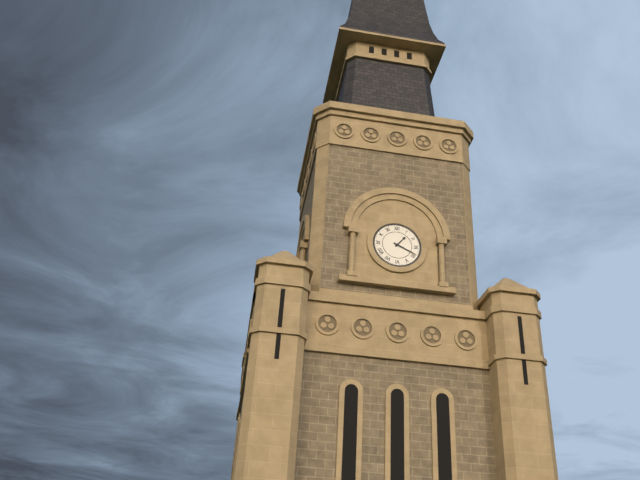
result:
{"hour": 1, "minute": 19}
